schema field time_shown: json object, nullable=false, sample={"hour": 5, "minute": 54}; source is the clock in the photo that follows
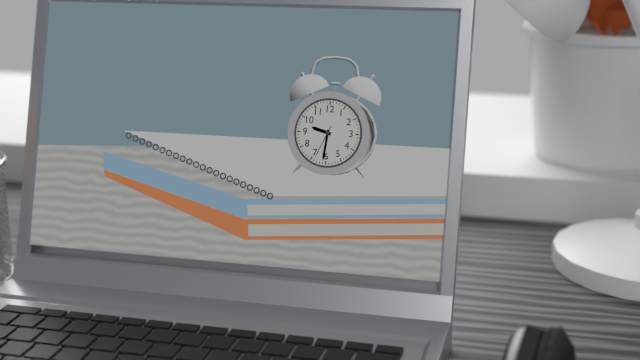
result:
{"hour": 9, "minute": 31}
